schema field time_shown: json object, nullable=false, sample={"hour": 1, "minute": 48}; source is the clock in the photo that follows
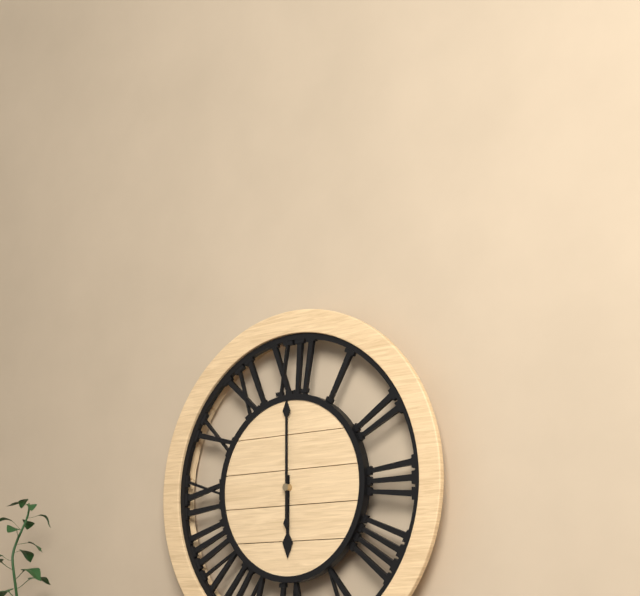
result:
{"hour": 6, "minute": 0}
